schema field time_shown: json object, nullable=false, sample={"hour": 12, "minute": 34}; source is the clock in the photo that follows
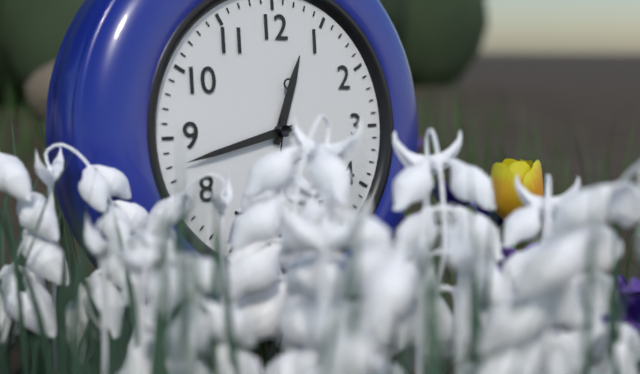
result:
{"hour": 12, "minute": 43}
